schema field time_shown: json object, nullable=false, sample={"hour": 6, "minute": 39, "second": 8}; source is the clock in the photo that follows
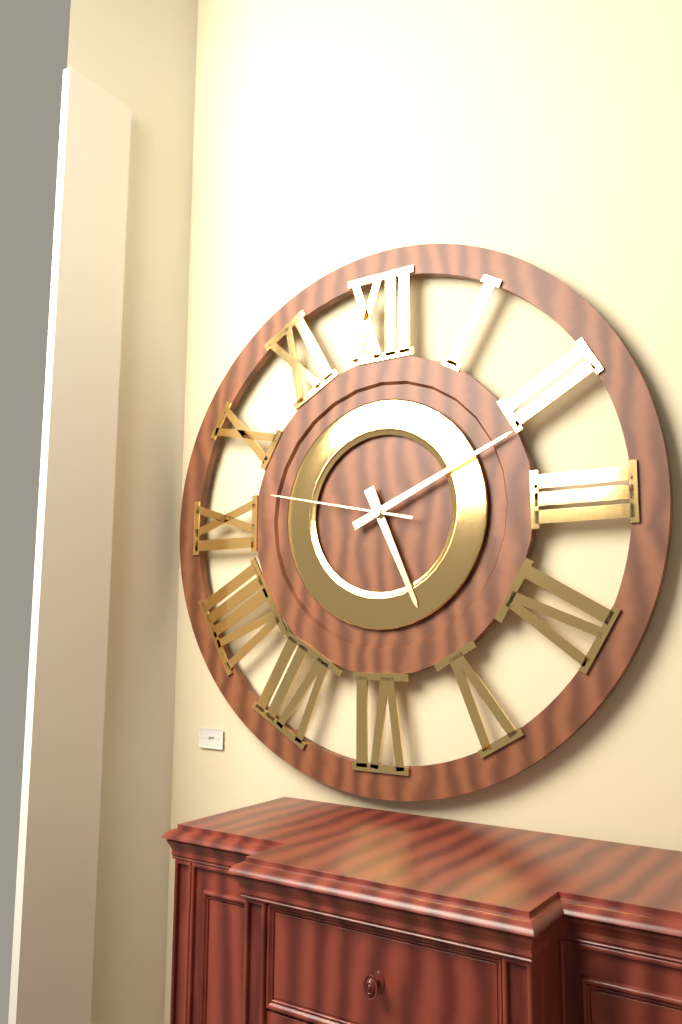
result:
{"hour": 5, "minute": 11, "second": 47}
